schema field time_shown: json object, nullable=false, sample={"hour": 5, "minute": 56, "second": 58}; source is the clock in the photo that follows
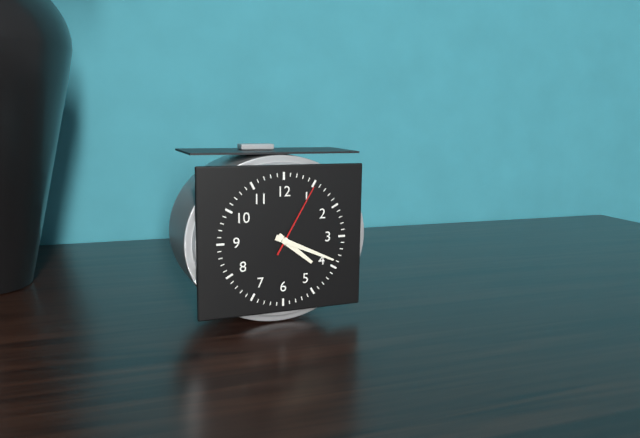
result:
{"hour": 4, "minute": 19, "second": 5}
